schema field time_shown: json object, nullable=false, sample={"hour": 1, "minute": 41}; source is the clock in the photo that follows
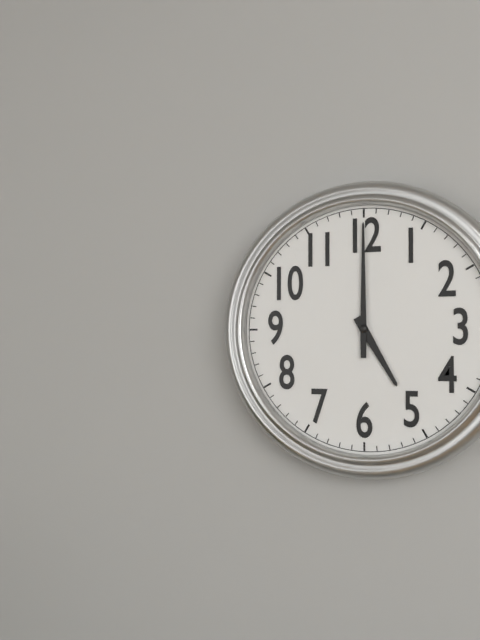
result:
{"hour": 5, "minute": 0}
